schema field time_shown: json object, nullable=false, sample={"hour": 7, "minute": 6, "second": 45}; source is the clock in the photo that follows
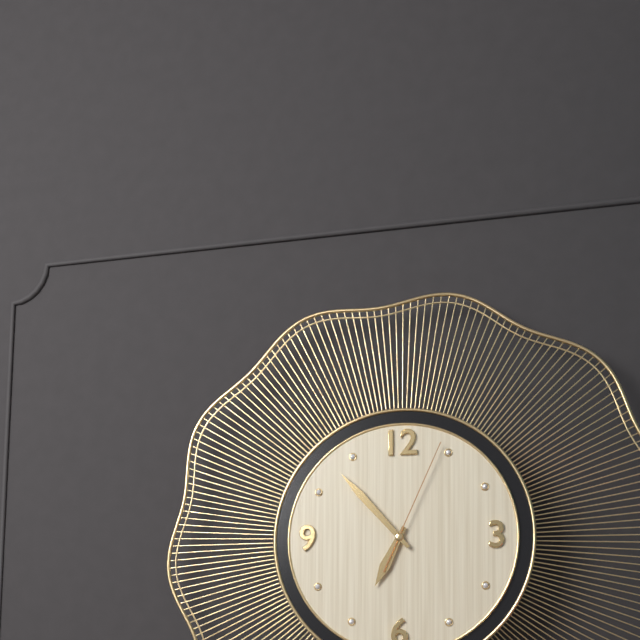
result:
{"hour": 6, "minute": 53, "second": 4}
